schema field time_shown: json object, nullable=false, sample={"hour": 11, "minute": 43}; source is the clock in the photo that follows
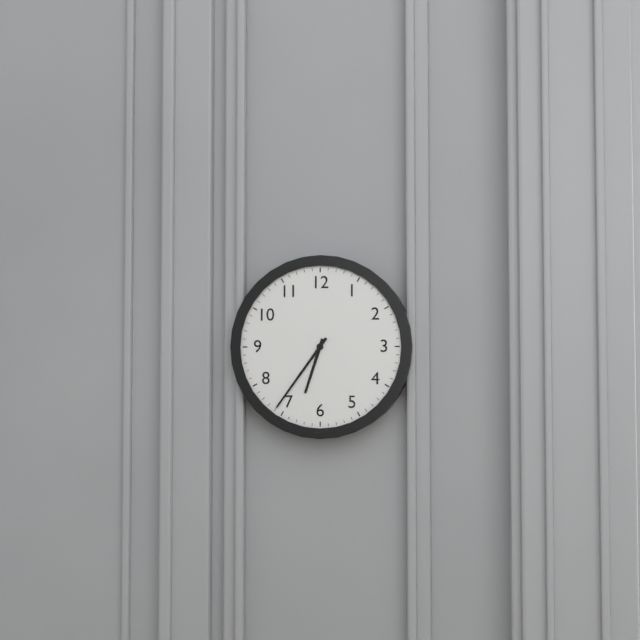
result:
{"hour": 6, "minute": 36}
